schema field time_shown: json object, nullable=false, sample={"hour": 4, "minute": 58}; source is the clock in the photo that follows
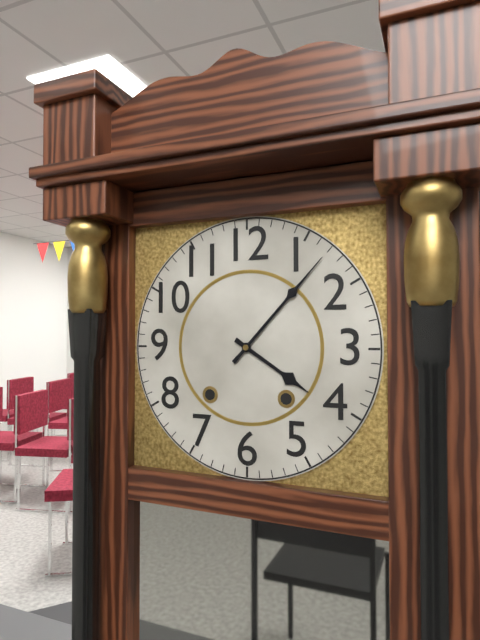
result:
{"hour": 4, "minute": 7}
